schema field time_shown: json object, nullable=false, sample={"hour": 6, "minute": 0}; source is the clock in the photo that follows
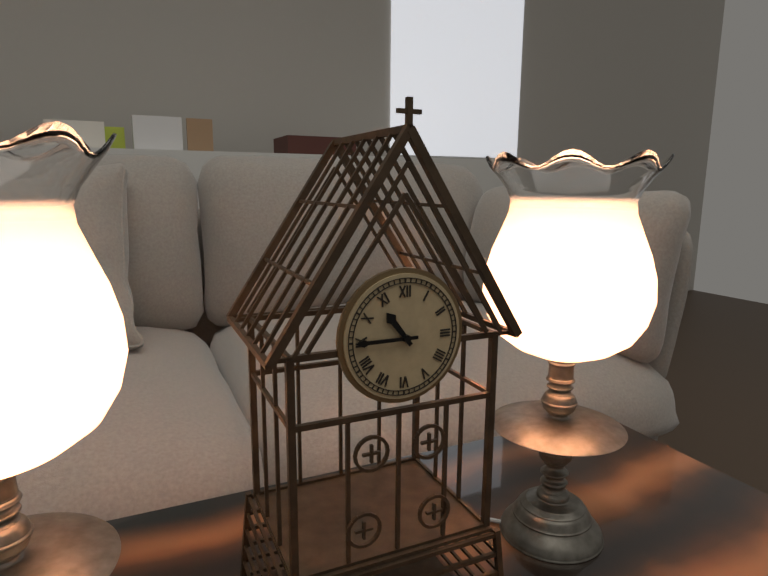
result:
{"hour": 10, "minute": 45}
